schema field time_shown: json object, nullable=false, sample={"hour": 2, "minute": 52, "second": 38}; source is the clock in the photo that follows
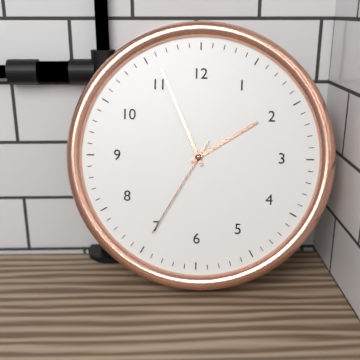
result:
{"hour": 1, "minute": 56, "second": 35}
